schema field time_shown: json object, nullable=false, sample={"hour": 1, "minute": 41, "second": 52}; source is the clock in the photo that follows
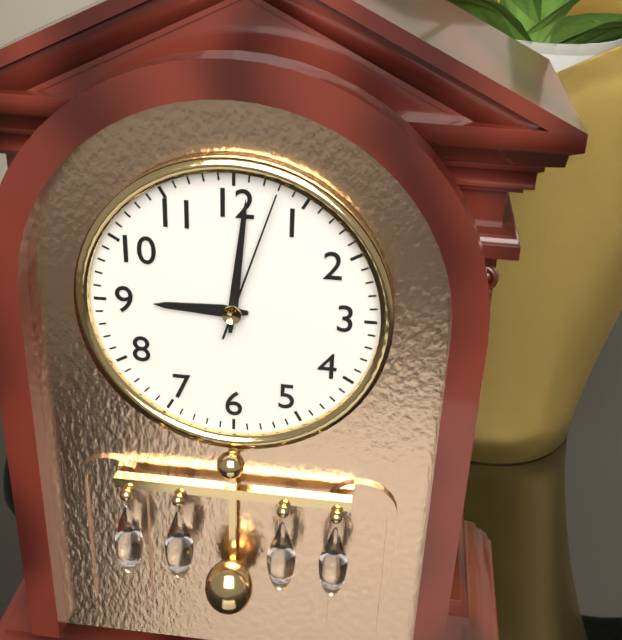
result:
{"hour": 9, "minute": 1, "second": 3}
